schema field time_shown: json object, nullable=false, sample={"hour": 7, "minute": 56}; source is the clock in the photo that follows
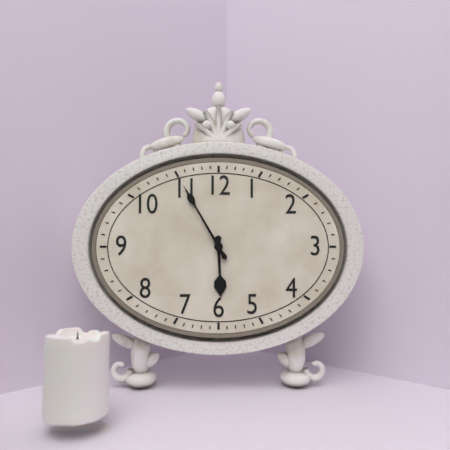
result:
{"hour": 5, "minute": 55}
